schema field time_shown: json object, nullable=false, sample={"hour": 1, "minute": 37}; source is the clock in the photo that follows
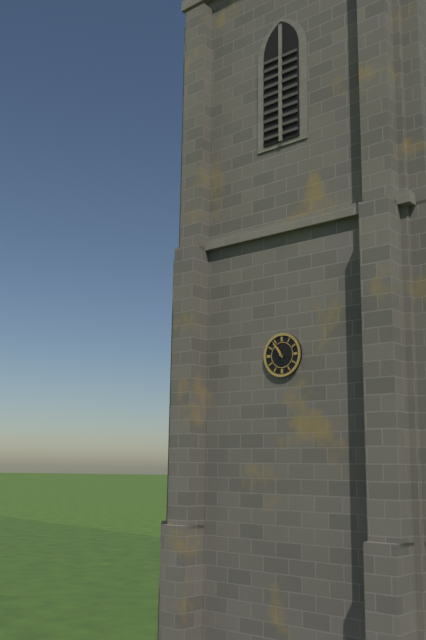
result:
{"hour": 10, "minute": 54}
